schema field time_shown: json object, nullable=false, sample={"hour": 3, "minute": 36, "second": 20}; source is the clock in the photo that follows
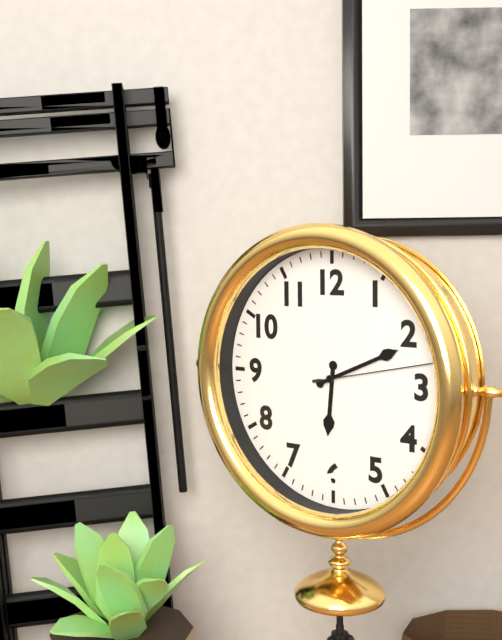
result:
{"hour": 6, "minute": 11, "second": 13}
